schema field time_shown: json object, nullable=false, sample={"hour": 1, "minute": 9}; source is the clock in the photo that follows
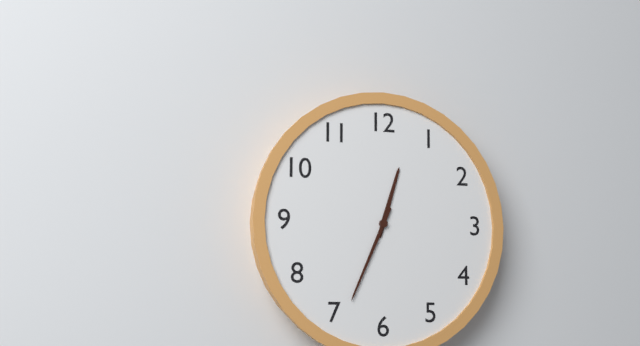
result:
{"hour": 12, "minute": 34}
